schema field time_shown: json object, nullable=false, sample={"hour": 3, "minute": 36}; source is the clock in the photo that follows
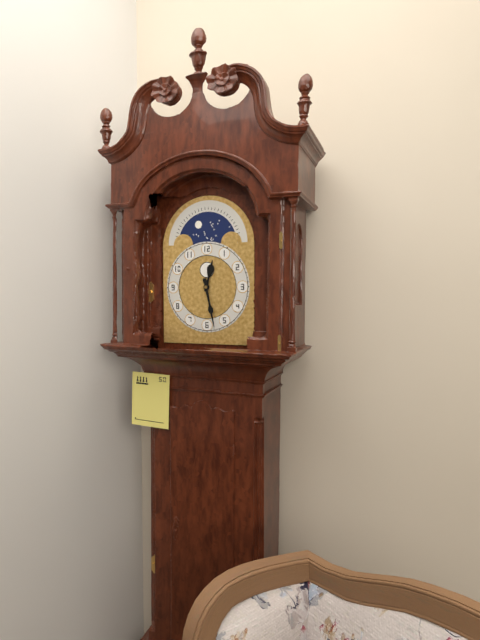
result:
{"hour": 12, "minute": 28}
